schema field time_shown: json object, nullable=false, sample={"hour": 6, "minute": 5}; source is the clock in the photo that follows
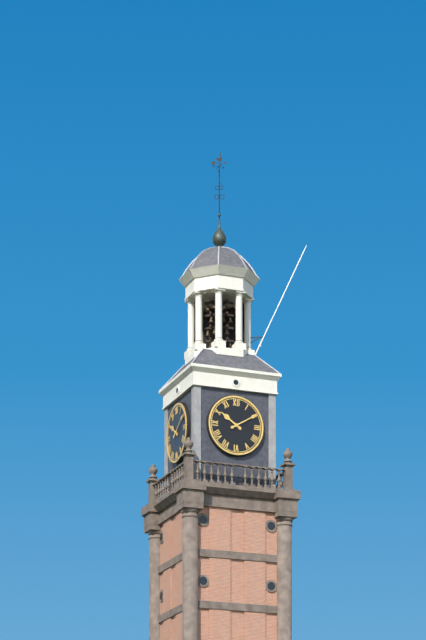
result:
{"hour": 10, "minute": 10}
